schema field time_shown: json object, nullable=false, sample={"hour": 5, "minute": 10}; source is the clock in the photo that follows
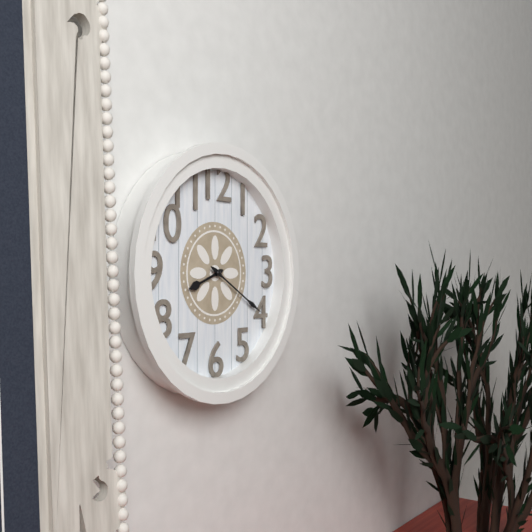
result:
{"hour": 8, "minute": 20}
